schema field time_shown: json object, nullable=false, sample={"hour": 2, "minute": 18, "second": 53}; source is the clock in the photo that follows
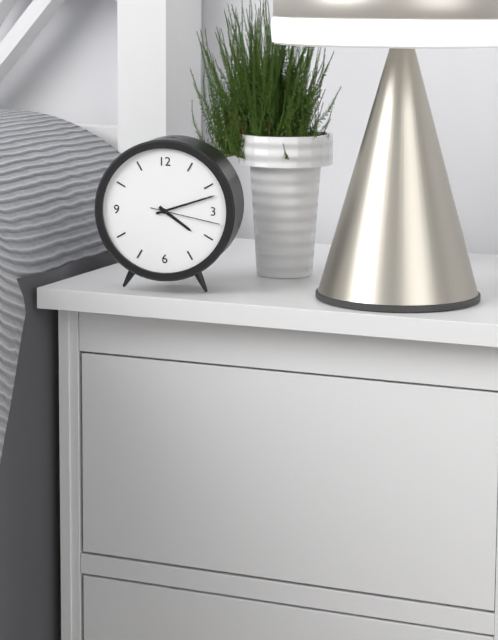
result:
{"hour": 4, "minute": 12, "second": 17}
